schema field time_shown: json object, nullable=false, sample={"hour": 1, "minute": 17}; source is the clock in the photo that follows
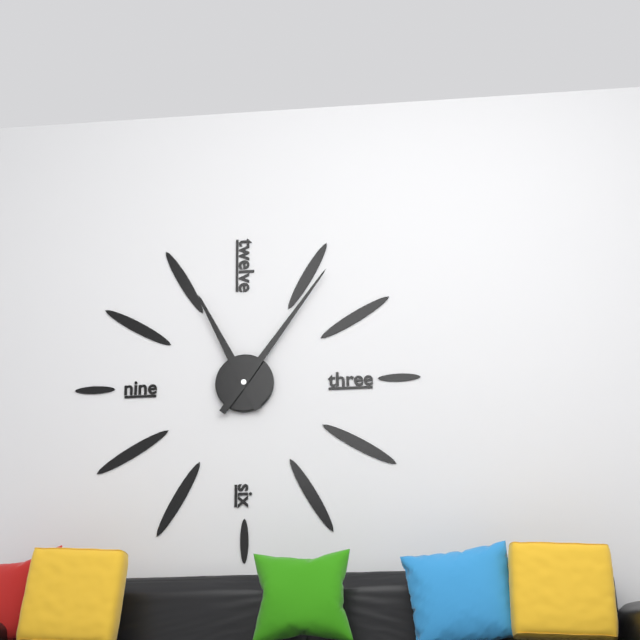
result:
{"hour": 11, "minute": 6}
